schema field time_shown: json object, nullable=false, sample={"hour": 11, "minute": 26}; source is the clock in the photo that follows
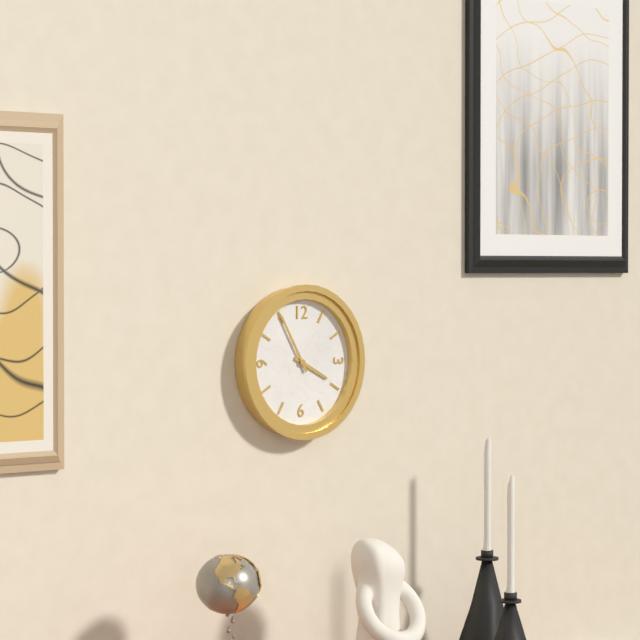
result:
{"hour": 3, "minute": 55}
